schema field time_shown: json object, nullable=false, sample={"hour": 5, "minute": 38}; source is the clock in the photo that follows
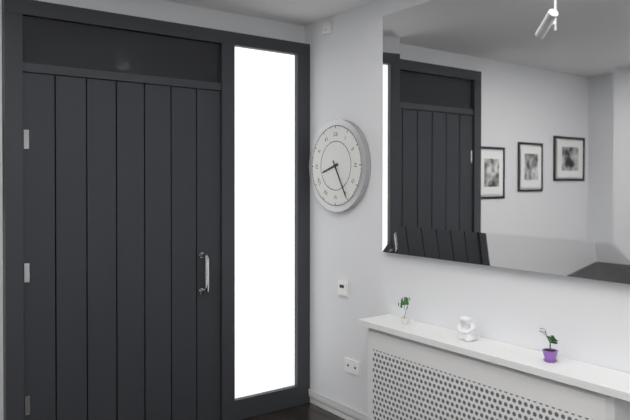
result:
{"hour": 8, "minute": 25}
